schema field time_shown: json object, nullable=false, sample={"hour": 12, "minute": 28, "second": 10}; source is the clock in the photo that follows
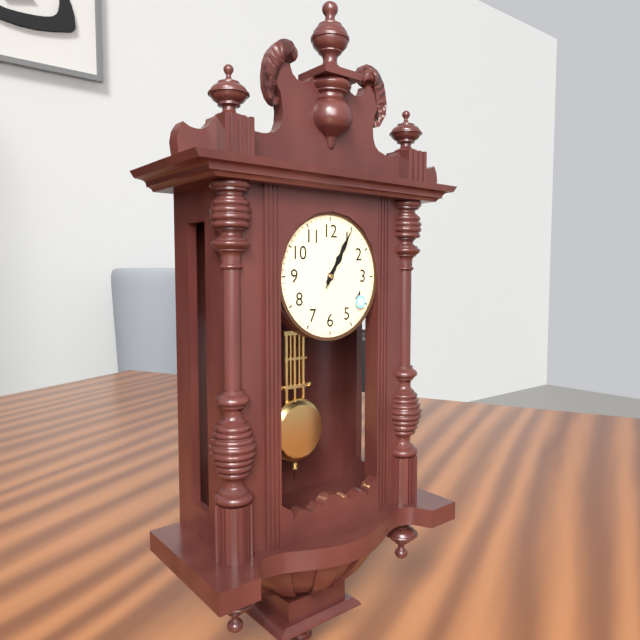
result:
{"hour": 1, "minute": 5, "second": 5}
